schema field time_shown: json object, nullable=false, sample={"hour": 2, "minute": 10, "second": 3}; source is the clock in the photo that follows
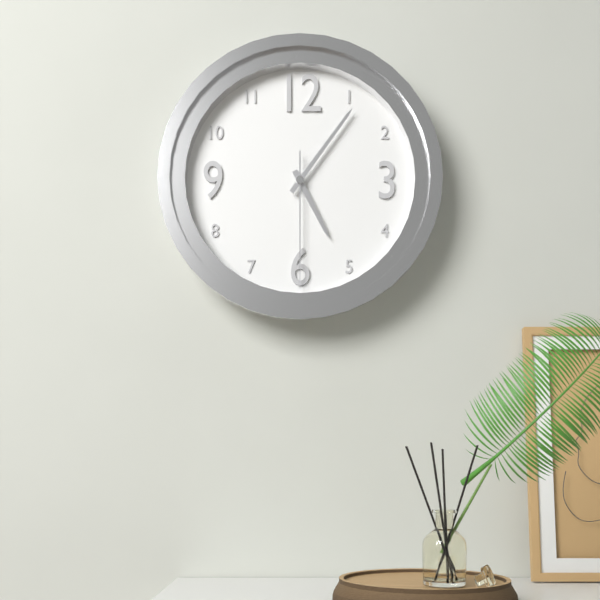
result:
{"hour": 5, "minute": 6, "second": 30}
